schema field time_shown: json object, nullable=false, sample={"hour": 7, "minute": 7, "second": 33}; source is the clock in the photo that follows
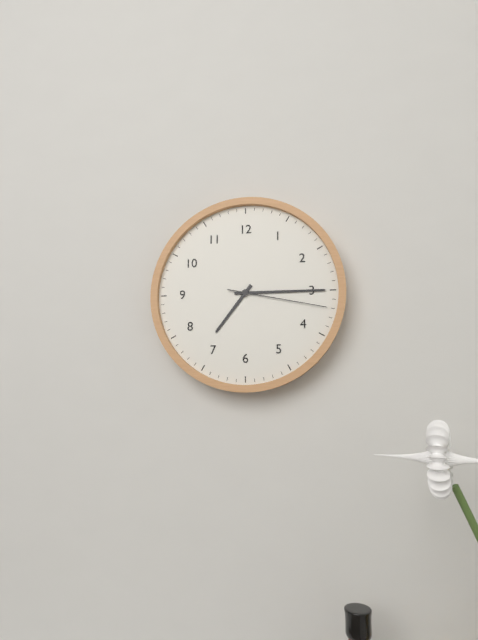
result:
{"hour": 7, "minute": 15, "second": 17}
